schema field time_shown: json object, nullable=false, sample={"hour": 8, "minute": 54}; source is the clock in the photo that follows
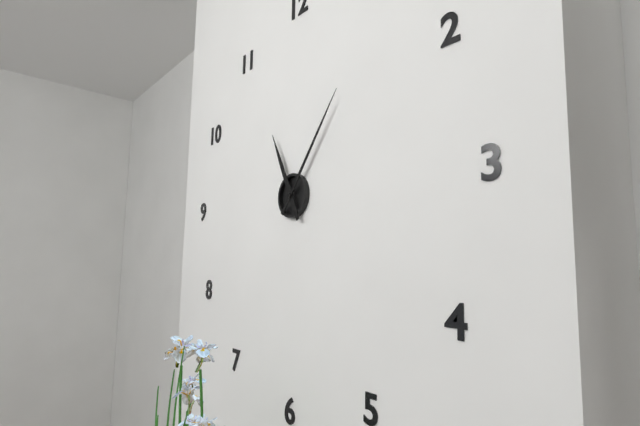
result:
{"hour": 11, "minute": 6}
